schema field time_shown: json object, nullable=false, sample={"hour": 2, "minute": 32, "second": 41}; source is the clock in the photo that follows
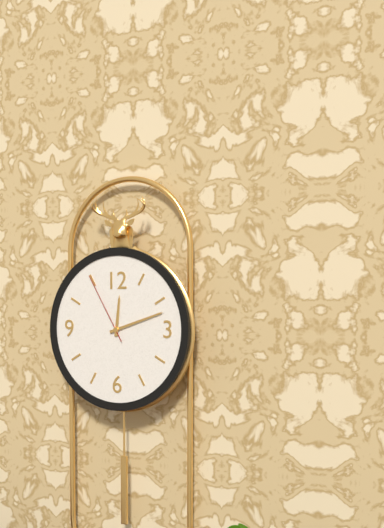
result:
{"hour": 12, "minute": 12, "second": 55}
